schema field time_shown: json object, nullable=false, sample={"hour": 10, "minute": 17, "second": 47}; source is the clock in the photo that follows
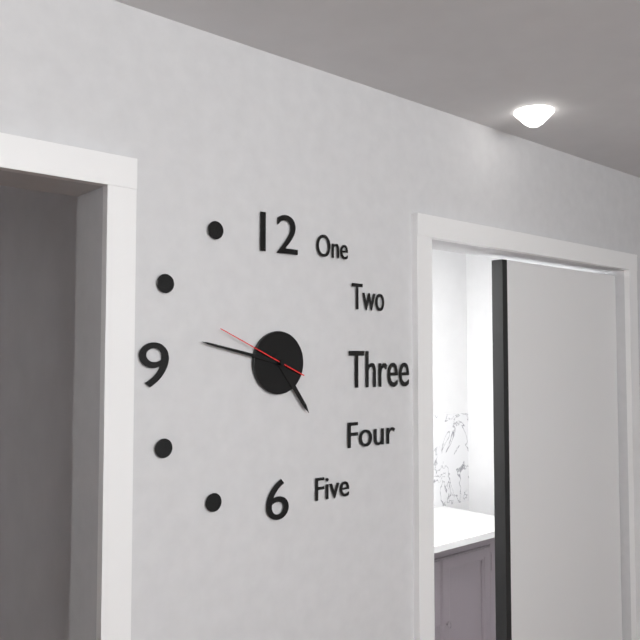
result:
{"hour": 4, "minute": 47, "second": 49}
